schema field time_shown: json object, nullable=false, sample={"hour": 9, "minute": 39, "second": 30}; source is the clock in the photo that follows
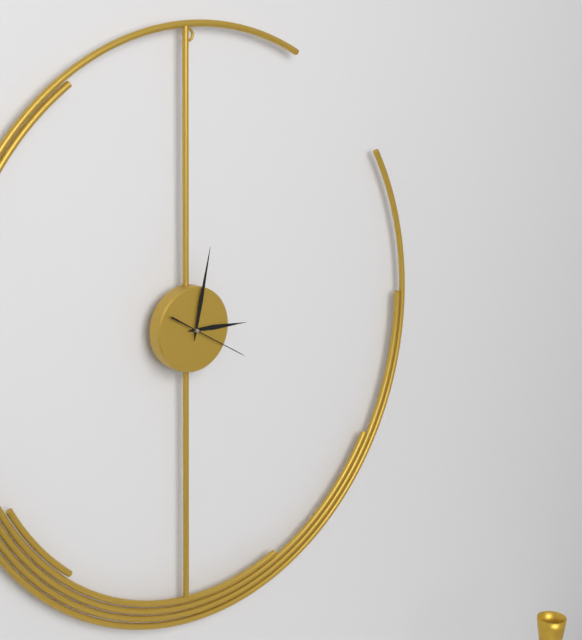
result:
{"hour": 3, "minute": 2, "second": 20}
